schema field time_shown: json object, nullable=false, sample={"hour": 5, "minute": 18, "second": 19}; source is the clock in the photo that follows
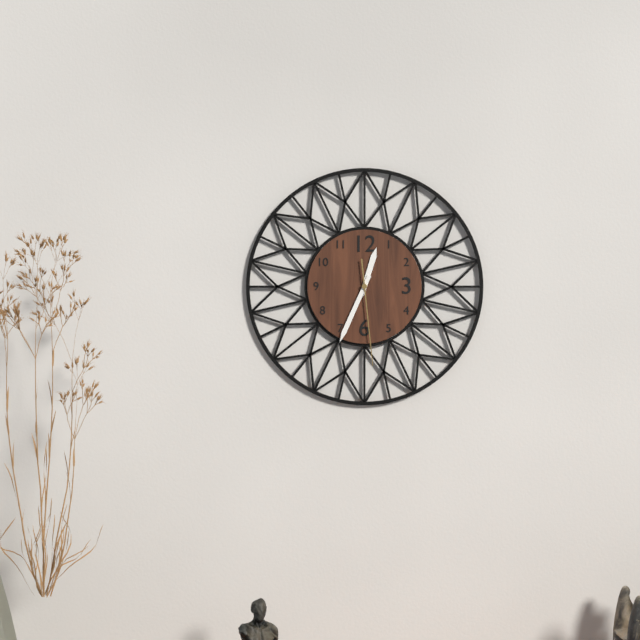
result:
{"hour": 12, "minute": 34, "second": 29}
